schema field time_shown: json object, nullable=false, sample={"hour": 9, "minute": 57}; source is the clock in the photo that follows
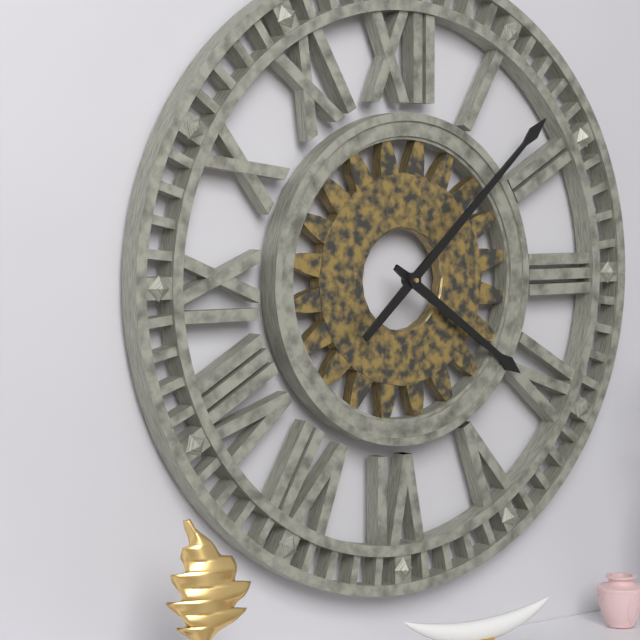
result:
{"hour": 4, "minute": 8}
